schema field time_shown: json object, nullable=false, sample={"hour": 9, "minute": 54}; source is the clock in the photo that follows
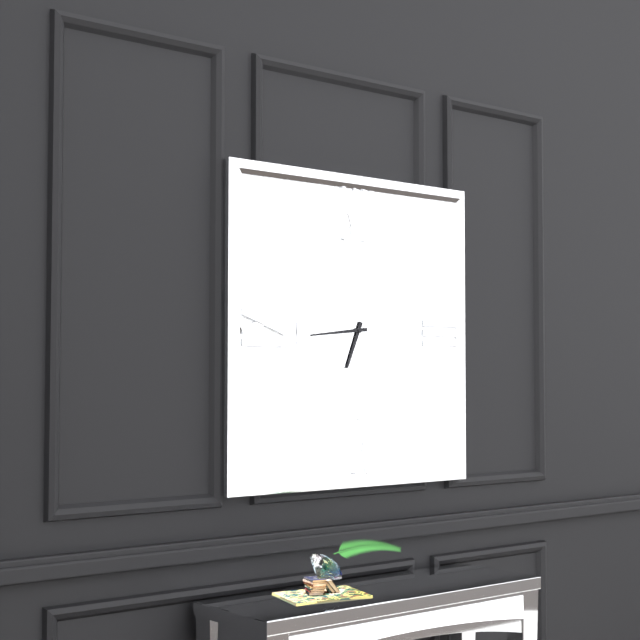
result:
{"hour": 6, "minute": 44}
